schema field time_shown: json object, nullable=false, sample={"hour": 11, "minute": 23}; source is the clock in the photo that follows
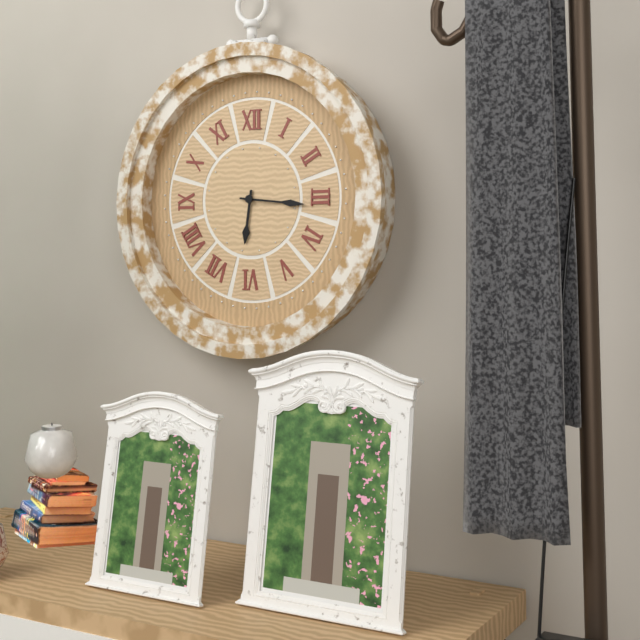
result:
{"hour": 6, "minute": 16}
